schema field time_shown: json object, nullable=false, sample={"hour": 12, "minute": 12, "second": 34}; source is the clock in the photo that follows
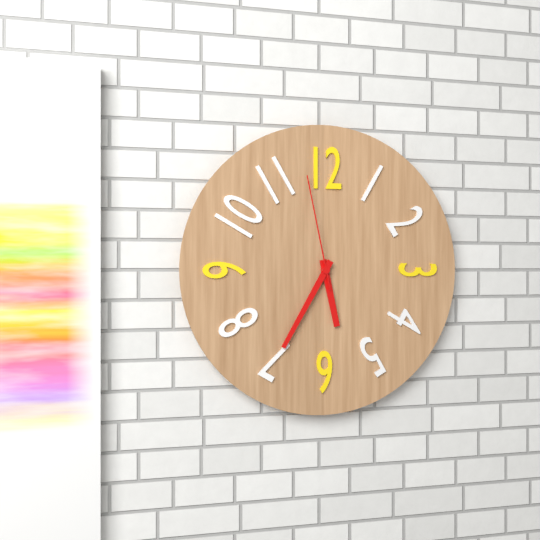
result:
{"hour": 5, "minute": 35, "second": 58}
